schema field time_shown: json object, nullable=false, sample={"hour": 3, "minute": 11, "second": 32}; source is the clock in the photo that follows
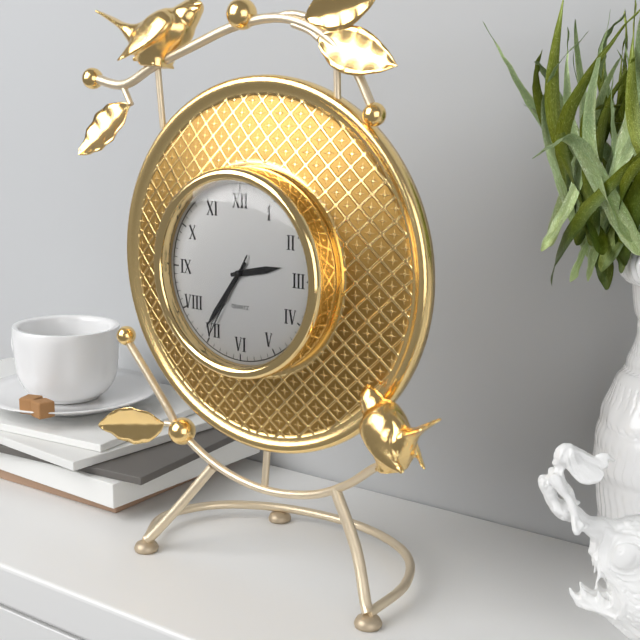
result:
{"hour": 2, "minute": 36, "second": 35}
